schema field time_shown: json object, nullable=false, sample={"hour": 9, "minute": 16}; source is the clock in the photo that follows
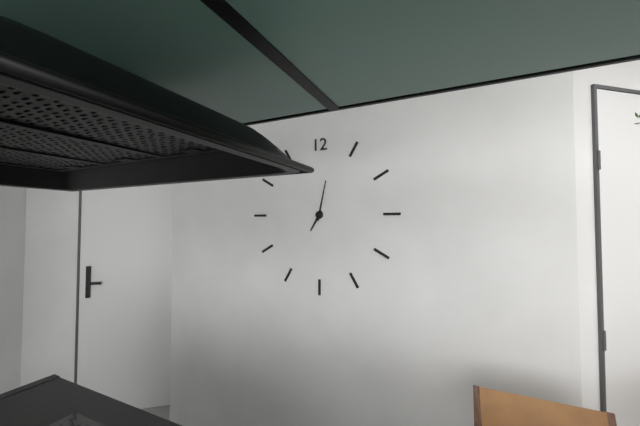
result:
{"hour": 7, "minute": 2}
